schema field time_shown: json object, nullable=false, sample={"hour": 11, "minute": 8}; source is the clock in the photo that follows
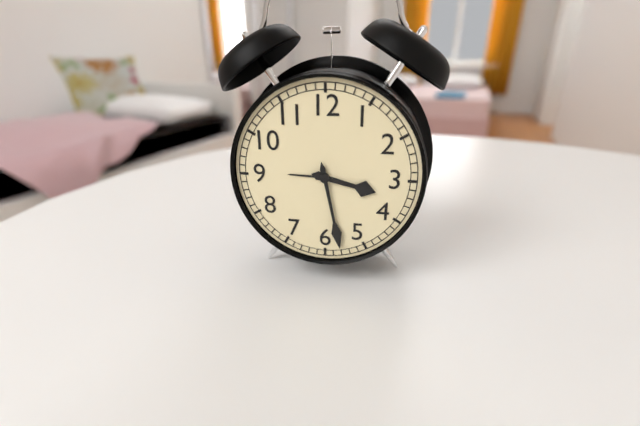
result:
{"hour": 3, "minute": 28}
